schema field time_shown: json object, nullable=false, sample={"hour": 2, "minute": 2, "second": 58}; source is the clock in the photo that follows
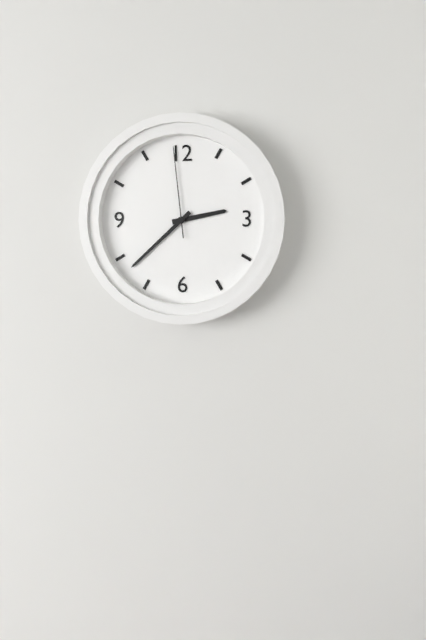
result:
{"hour": 2, "minute": 38, "second": 59}
